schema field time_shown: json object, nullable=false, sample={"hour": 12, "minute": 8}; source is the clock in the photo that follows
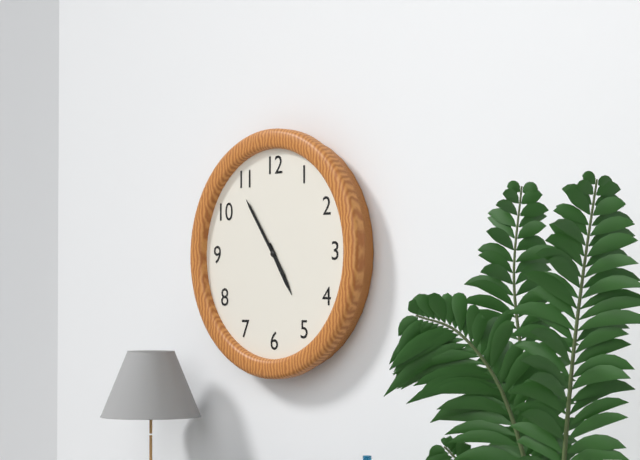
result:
{"hour": 4, "minute": 54}
